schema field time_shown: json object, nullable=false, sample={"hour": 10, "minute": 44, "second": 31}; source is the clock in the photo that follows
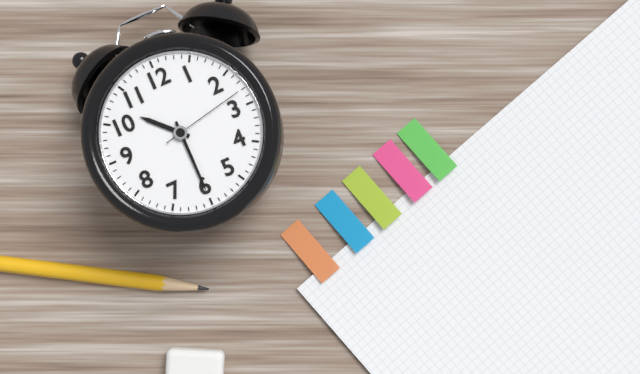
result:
{"hour": 10, "minute": 30, "second": 13}
